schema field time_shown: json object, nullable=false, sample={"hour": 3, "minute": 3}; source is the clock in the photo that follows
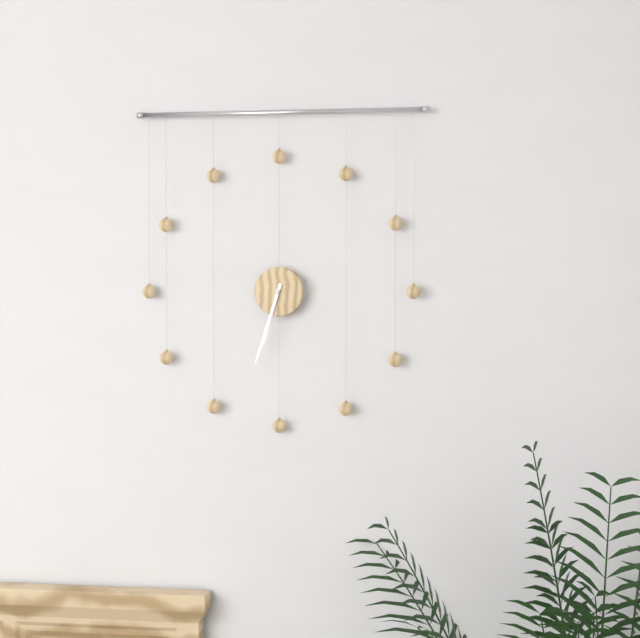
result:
{"hour": 6, "minute": 33}
